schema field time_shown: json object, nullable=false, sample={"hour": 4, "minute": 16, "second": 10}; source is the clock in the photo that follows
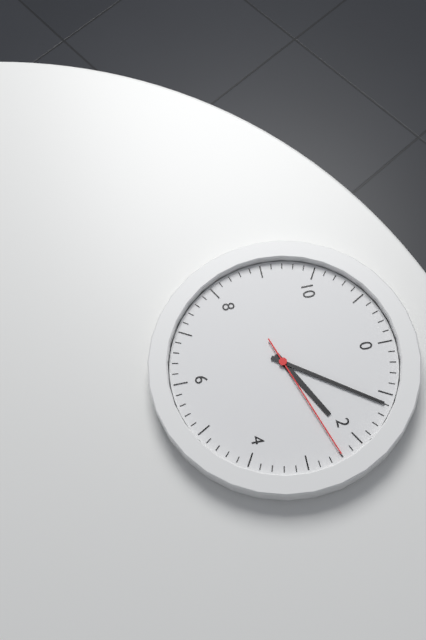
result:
{"hour": 2, "minute": 6, "second": 12}
